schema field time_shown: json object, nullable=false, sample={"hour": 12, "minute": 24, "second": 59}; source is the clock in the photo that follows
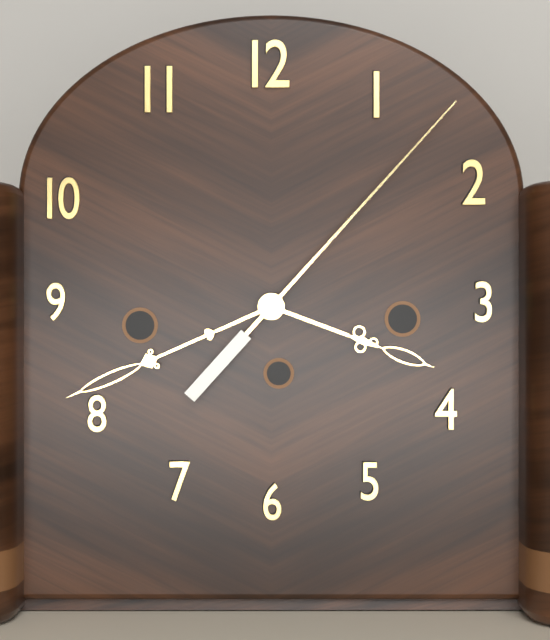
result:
{"hour": 3, "minute": 41, "second": 7}
